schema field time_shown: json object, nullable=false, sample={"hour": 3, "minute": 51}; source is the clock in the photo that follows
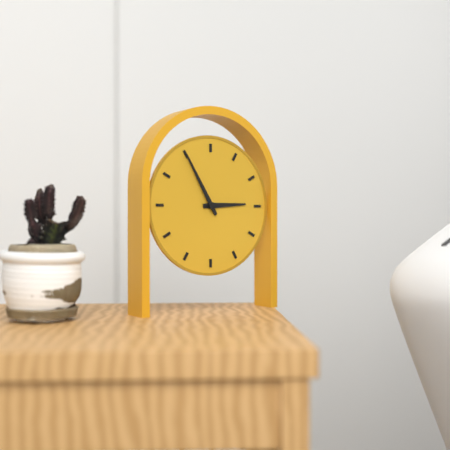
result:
{"hour": 2, "minute": 55}
